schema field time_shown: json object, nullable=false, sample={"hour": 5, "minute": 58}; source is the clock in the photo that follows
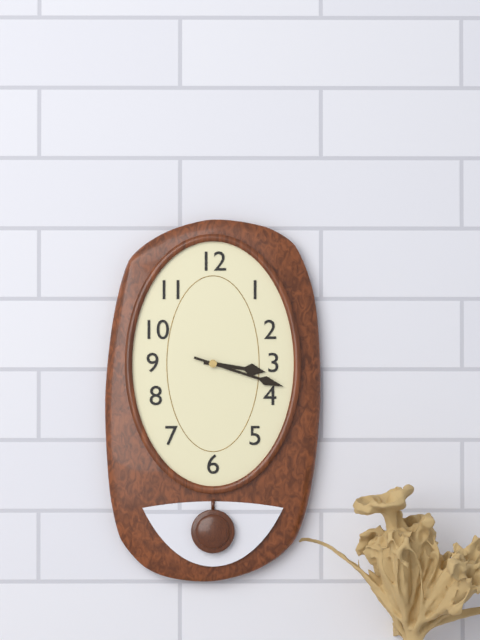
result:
{"hour": 3, "minute": 18}
